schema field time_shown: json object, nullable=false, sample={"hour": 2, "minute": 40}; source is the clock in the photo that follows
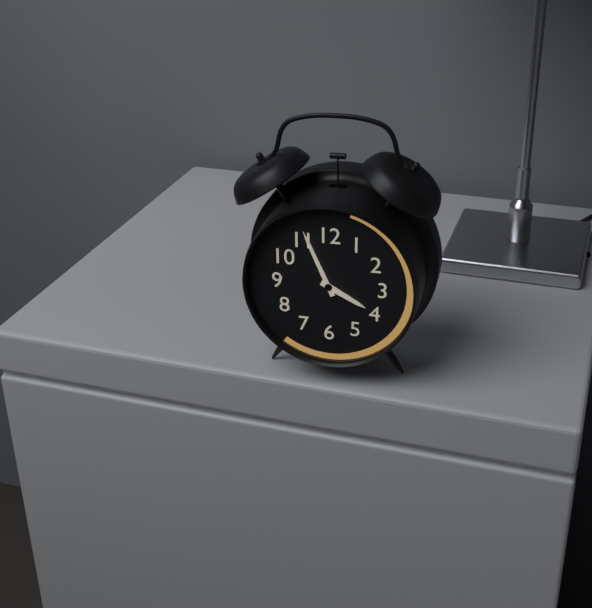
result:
{"hour": 3, "minute": 56}
